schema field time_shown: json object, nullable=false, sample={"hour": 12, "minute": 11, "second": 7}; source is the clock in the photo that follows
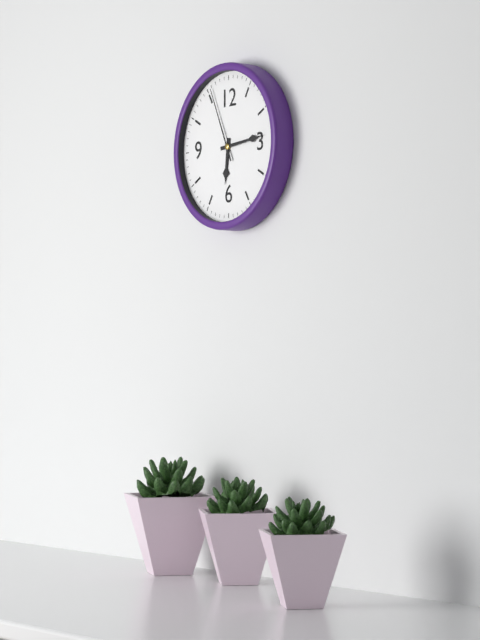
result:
{"hour": 6, "minute": 14, "second": 56}
